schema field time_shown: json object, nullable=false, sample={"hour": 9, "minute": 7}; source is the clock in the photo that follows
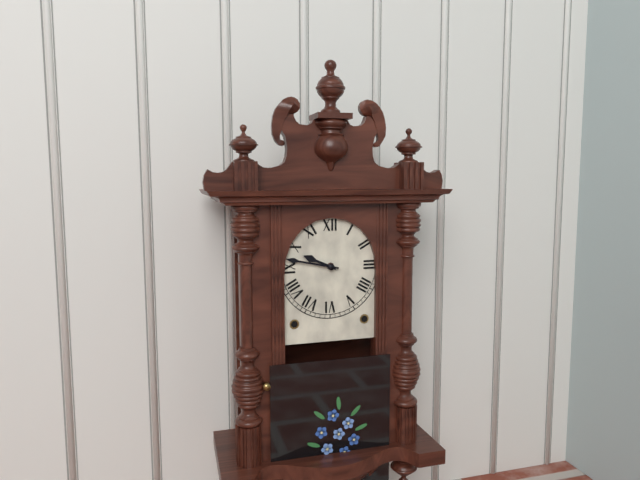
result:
{"hour": 9, "minute": 47}
